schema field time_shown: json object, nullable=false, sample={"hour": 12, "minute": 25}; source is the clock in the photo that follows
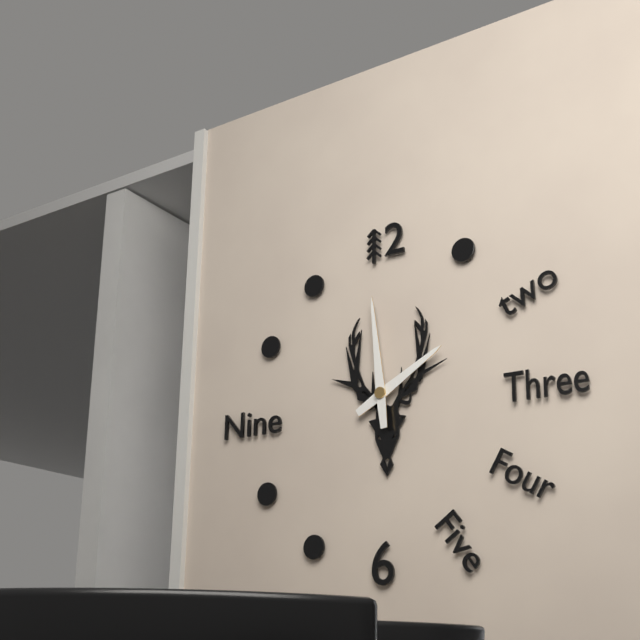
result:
{"hour": 1, "minute": 59}
